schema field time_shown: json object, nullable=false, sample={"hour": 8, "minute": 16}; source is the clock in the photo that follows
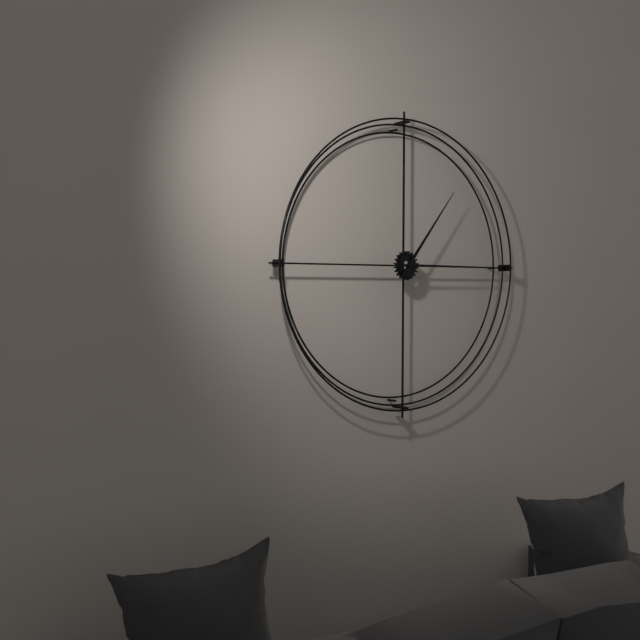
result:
{"hour": 1, "minute": 15}
